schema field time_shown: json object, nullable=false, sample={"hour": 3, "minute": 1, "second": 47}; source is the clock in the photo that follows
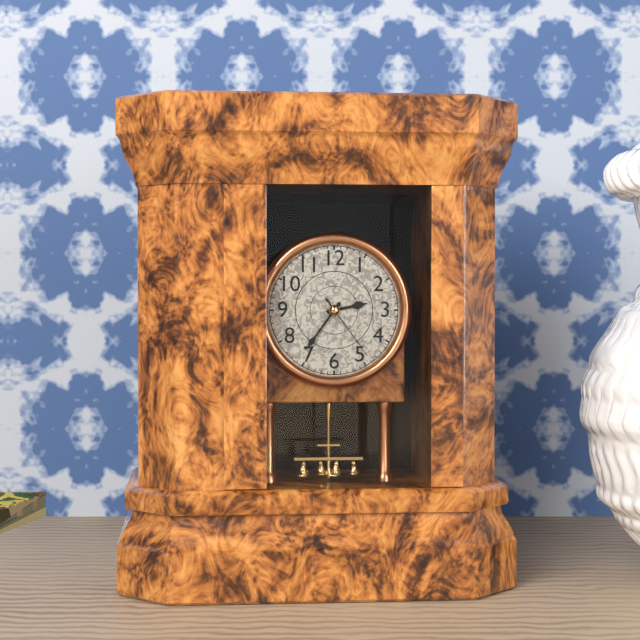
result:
{"hour": 2, "minute": 36, "second": 24}
